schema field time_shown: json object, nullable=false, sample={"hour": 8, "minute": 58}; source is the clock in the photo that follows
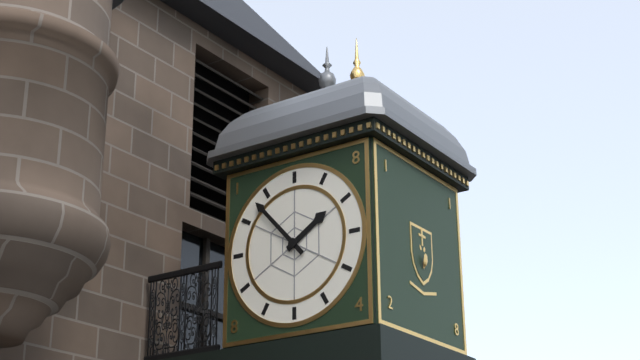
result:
{"hour": 1, "minute": 53}
